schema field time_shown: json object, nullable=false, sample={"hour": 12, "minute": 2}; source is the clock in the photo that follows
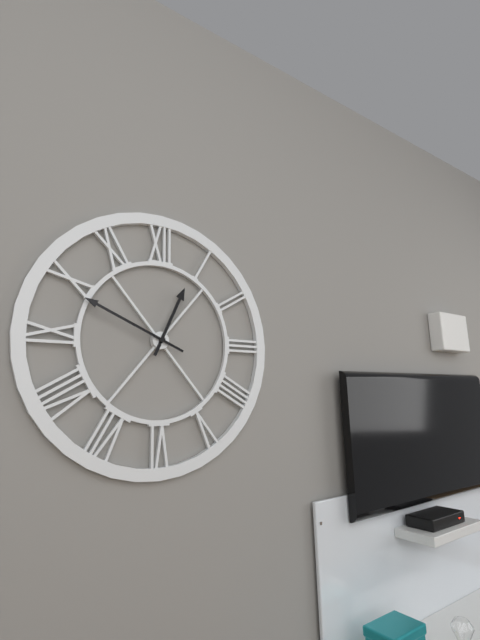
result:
{"hour": 12, "minute": 49}
